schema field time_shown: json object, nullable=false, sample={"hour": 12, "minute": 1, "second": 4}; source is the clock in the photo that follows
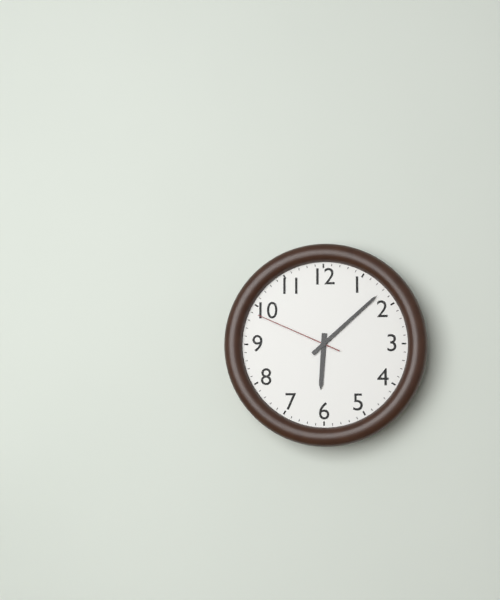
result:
{"hour": 6, "minute": 8, "second": 49}
